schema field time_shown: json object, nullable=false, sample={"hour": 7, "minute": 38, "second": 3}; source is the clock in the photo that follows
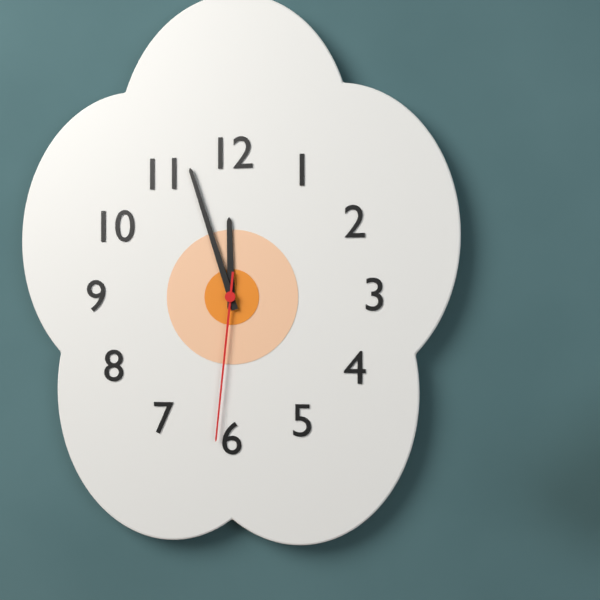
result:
{"hour": 11, "minute": 57, "second": 31}
